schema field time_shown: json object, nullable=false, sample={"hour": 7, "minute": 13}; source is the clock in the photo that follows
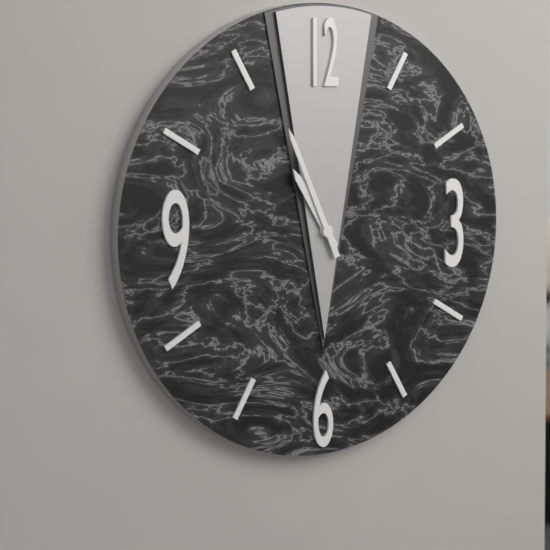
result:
{"hour": 10, "minute": 56}
